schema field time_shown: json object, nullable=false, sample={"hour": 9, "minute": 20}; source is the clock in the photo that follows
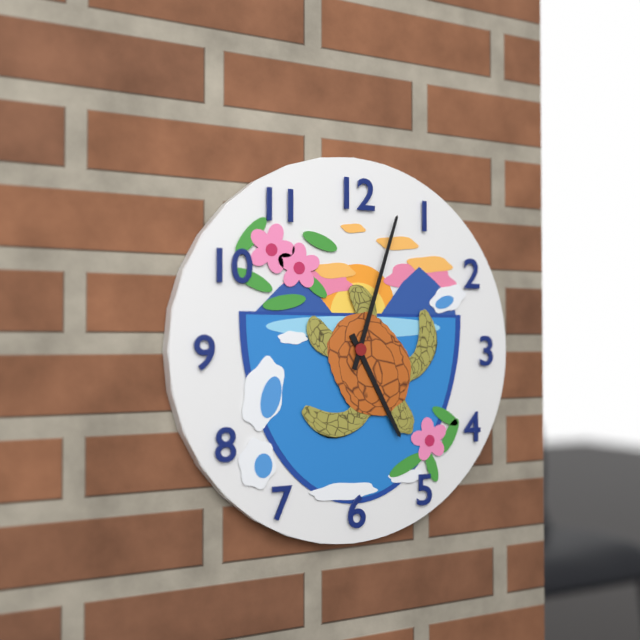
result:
{"hour": 5, "minute": 3}
